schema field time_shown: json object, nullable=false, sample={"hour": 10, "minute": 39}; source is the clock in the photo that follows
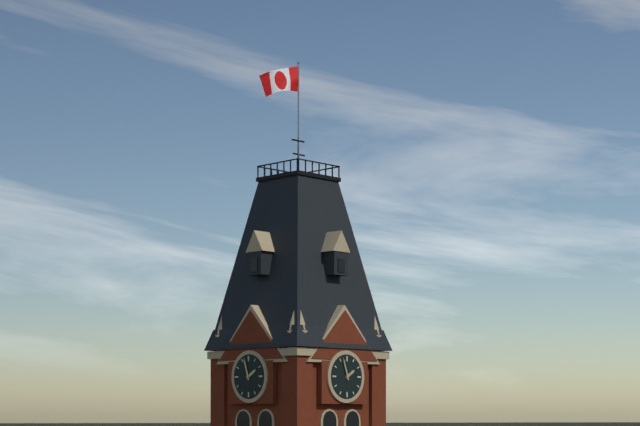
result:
{"hour": 1, "minute": 57}
